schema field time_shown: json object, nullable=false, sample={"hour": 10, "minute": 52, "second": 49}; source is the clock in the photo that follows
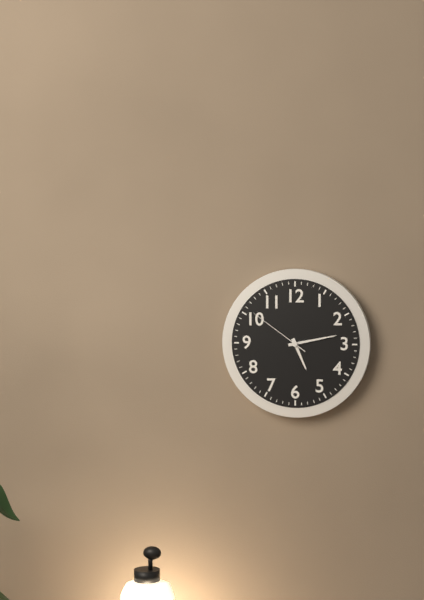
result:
{"hour": 5, "minute": 13, "second": 51}
